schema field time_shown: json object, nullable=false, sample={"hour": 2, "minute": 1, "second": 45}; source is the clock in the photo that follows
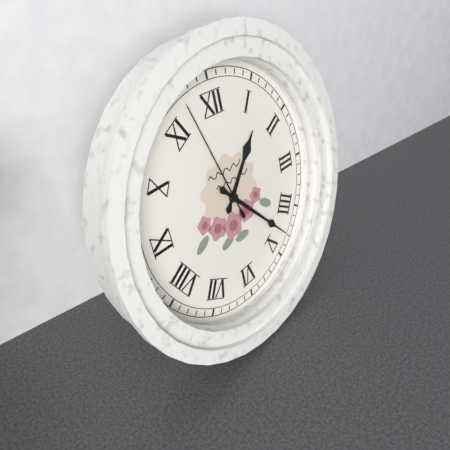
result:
{"hour": 1, "minute": 23, "second": 57}
